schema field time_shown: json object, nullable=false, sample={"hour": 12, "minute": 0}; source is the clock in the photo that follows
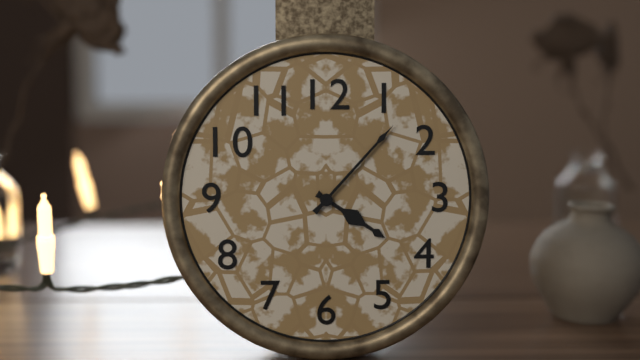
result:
{"hour": 4, "minute": 7}
